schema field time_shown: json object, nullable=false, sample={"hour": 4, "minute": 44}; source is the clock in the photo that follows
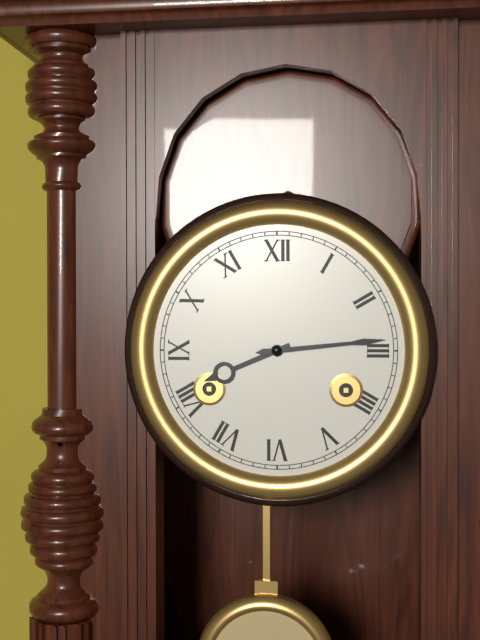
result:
{"hour": 8, "minute": 14}
